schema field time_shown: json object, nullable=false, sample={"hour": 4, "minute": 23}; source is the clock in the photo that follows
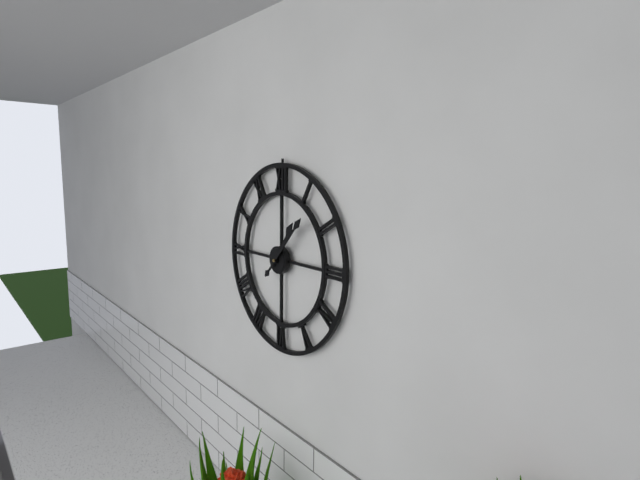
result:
{"hour": 1, "minute": 7}
